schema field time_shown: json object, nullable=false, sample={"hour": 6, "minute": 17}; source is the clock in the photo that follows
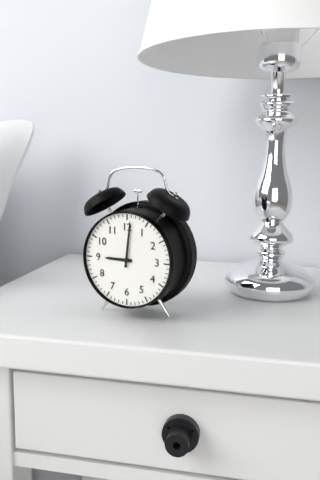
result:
{"hour": 9, "minute": 1}
